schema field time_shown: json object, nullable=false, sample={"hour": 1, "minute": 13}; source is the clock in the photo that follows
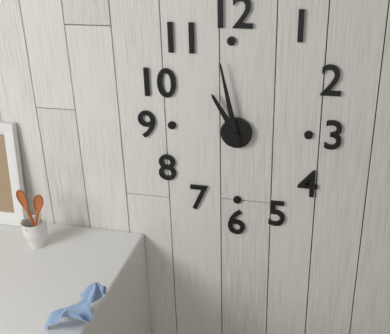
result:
{"hour": 10, "minute": 58}
